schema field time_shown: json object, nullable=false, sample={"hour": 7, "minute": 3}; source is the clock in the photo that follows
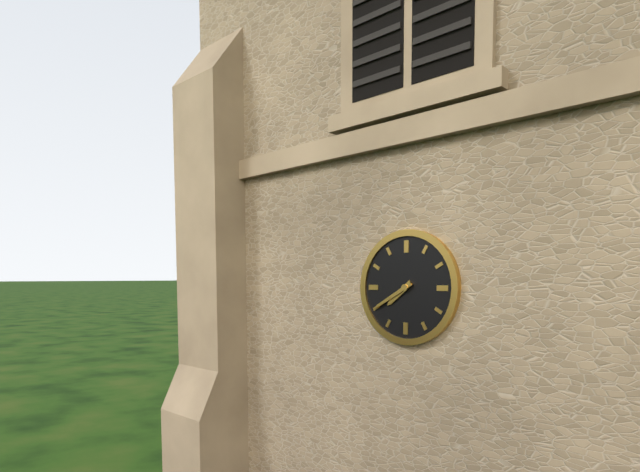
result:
{"hour": 7, "minute": 40}
